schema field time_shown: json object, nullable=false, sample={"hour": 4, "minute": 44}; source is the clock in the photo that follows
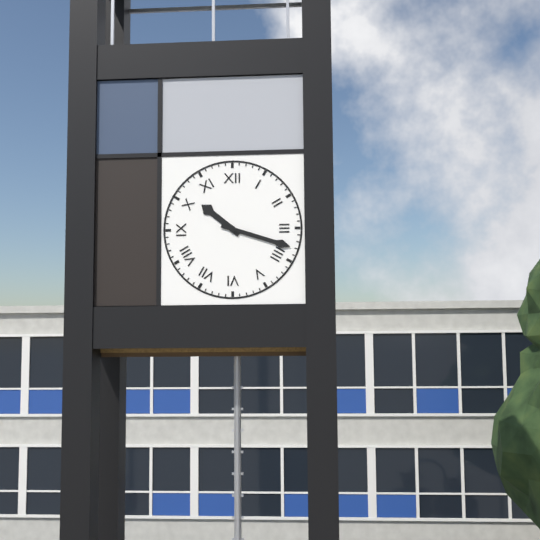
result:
{"hour": 10, "minute": 18}
